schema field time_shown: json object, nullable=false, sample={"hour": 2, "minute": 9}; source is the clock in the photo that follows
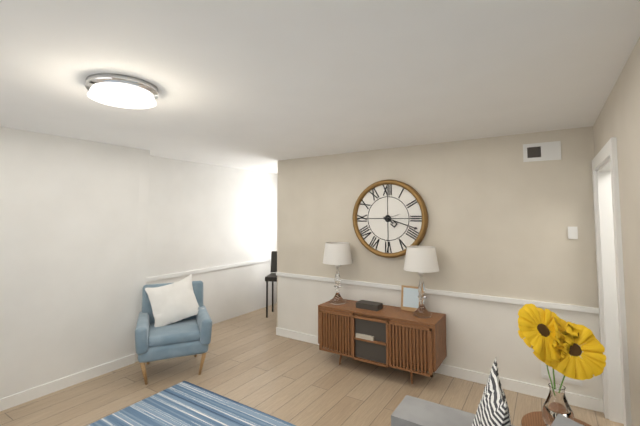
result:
{"hour": 4, "minute": 18}
